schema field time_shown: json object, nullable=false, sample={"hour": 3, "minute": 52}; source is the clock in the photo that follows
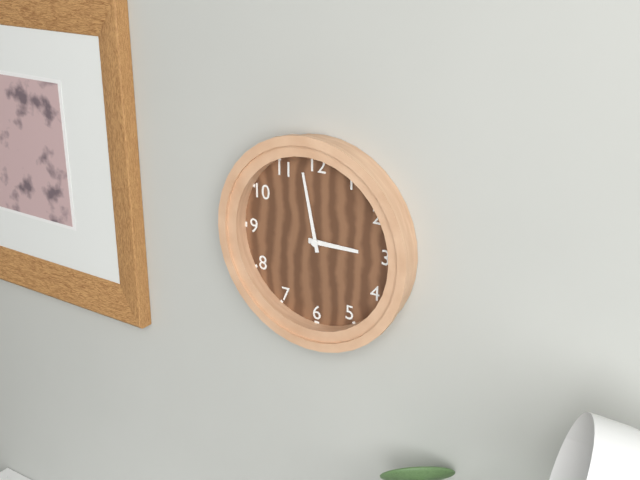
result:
{"hour": 2, "minute": 58}
